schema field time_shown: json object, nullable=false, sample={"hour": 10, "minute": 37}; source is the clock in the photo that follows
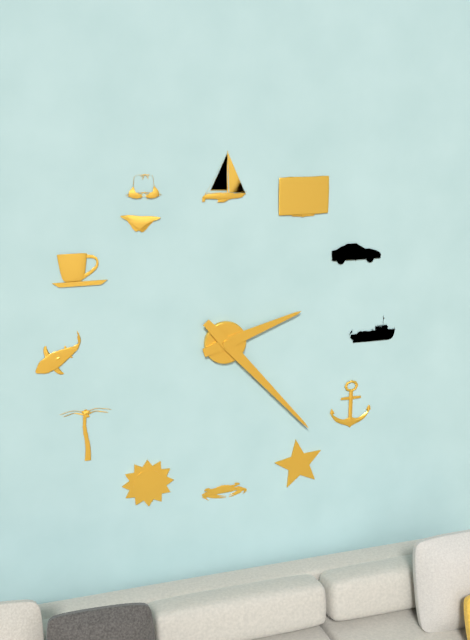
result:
{"hour": 2, "minute": 23}
